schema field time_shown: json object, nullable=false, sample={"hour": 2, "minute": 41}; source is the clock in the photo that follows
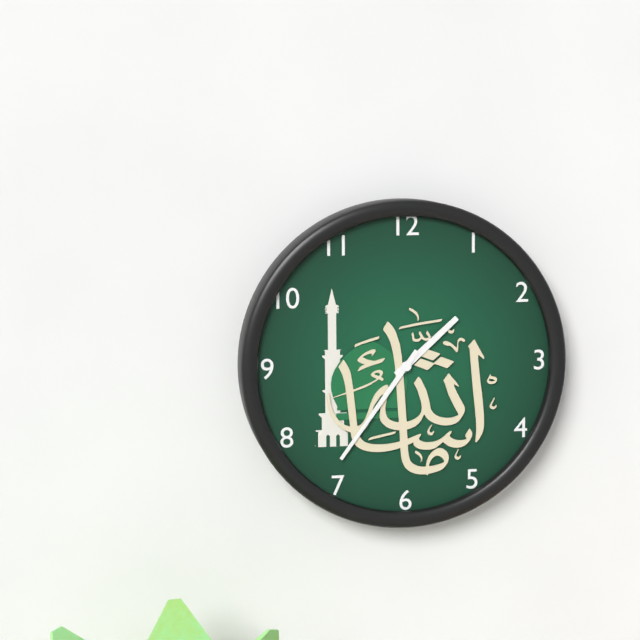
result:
{"hour": 1, "minute": 36}
